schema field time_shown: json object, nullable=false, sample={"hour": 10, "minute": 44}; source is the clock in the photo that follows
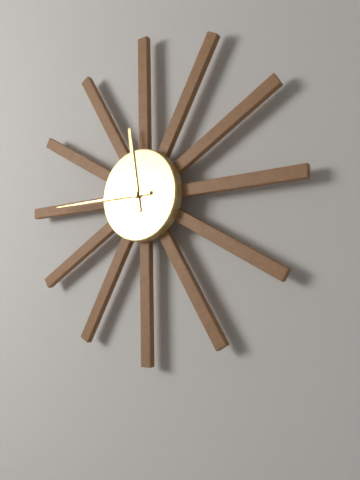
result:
{"hour": 11, "minute": 45}
